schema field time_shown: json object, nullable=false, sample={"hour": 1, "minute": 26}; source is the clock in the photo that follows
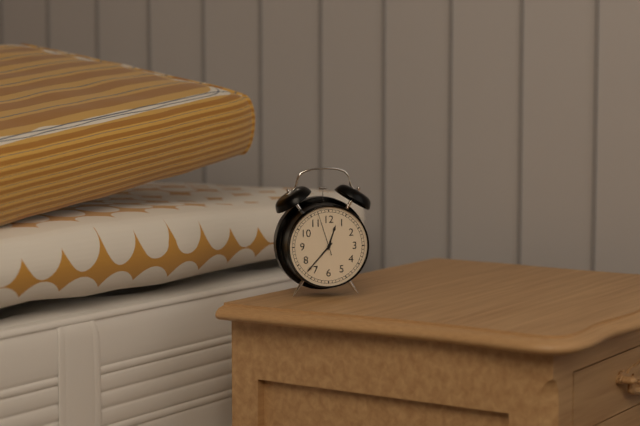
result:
{"hour": 12, "minute": 37}
